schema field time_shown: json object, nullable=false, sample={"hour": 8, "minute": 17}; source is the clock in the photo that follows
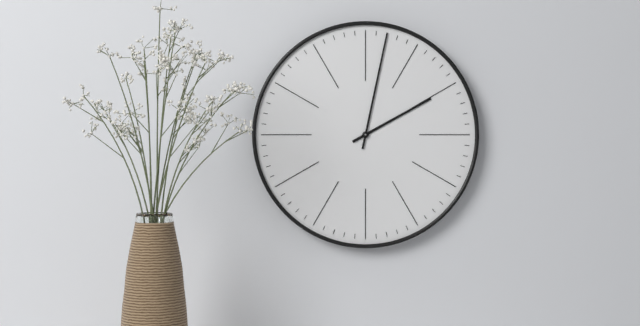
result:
{"hour": 2, "minute": 2}
